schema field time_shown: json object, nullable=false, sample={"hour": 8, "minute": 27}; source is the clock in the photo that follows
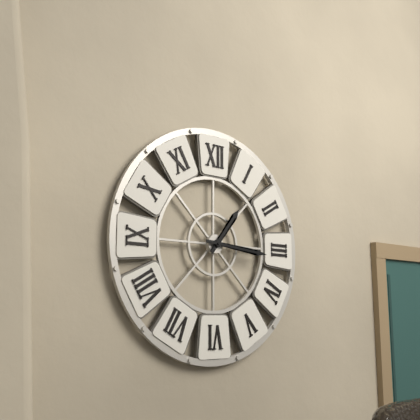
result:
{"hour": 1, "minute": 16}
